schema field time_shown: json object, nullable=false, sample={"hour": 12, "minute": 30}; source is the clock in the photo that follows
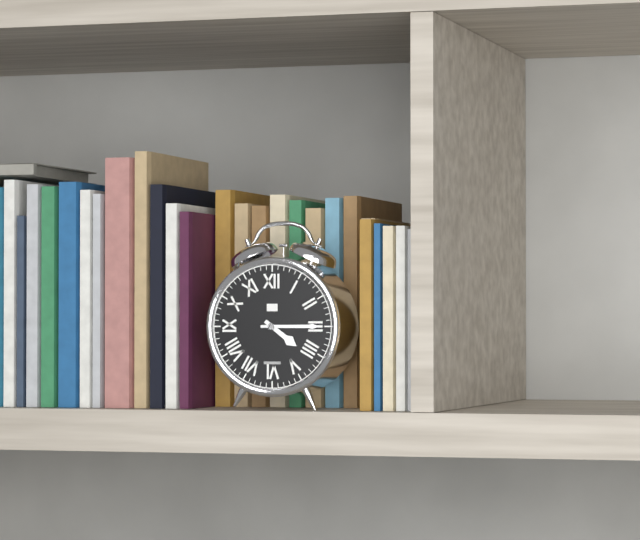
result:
{"hour": 4, "minute": 15}
